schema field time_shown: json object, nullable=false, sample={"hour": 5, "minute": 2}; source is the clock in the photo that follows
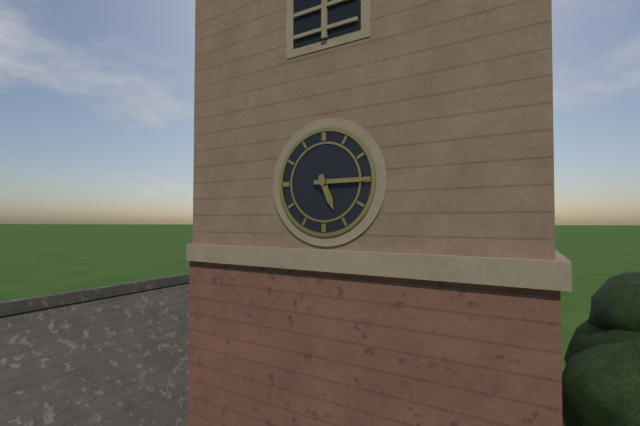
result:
{"hour": 5, "minute": 15}
